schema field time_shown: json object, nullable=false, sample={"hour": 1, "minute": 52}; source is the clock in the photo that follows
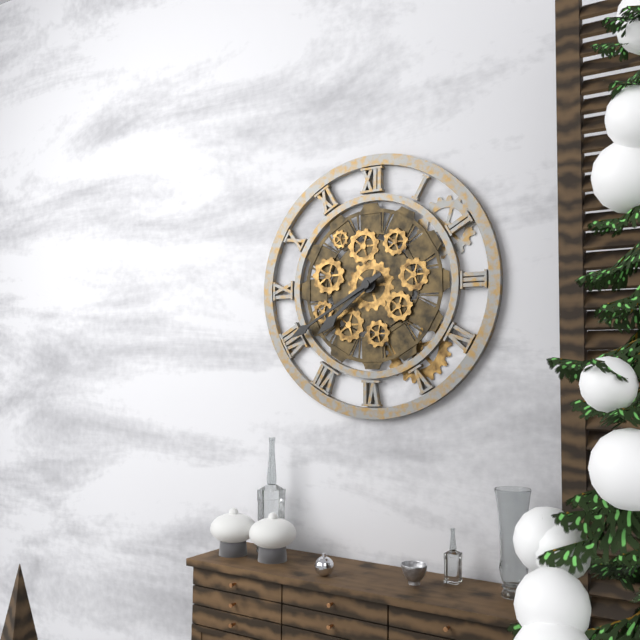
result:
{"hour": 7, "minute": 40}
